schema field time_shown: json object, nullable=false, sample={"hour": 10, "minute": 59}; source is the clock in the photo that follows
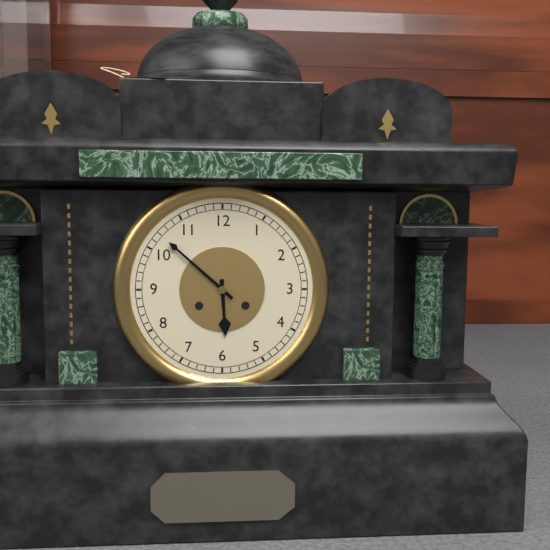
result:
{"hour": 5, "minute": 52}
